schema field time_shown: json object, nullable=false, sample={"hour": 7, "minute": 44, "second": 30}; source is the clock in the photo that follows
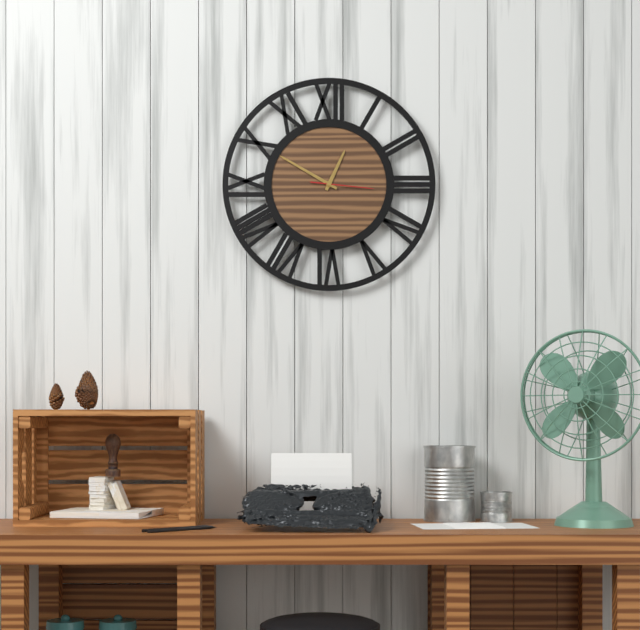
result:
{"hour": 12, "minute": 50, "second": 16}
